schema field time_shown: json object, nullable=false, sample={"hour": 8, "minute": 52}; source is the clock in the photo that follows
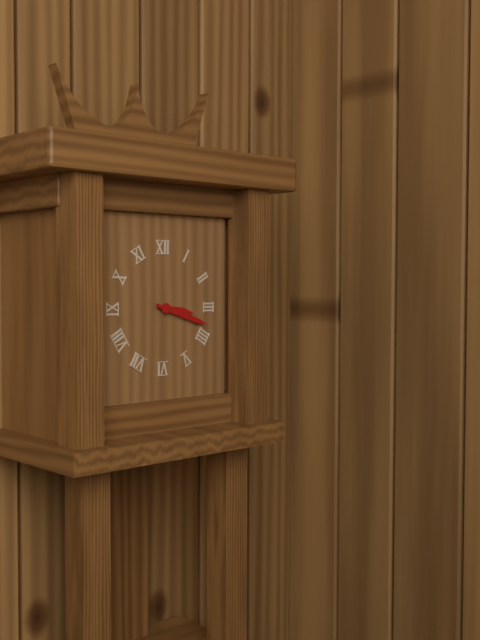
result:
{"hour": 3, "minute": 18}
